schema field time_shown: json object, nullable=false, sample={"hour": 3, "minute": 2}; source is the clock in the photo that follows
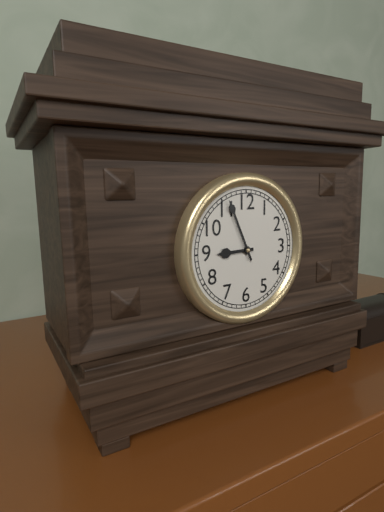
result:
{"hour": 8, "minute": 56}
